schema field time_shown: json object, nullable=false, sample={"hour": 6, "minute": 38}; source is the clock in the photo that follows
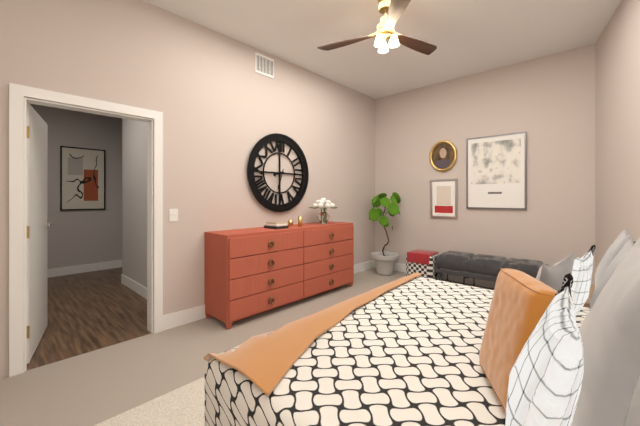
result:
{"hour": 8, "minute": 33}
